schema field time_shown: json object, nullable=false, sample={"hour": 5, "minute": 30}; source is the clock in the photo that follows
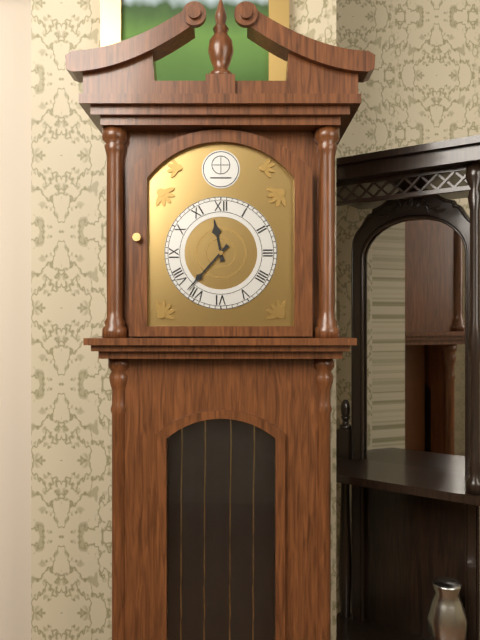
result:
{"hour": 11, "minute": 37}
